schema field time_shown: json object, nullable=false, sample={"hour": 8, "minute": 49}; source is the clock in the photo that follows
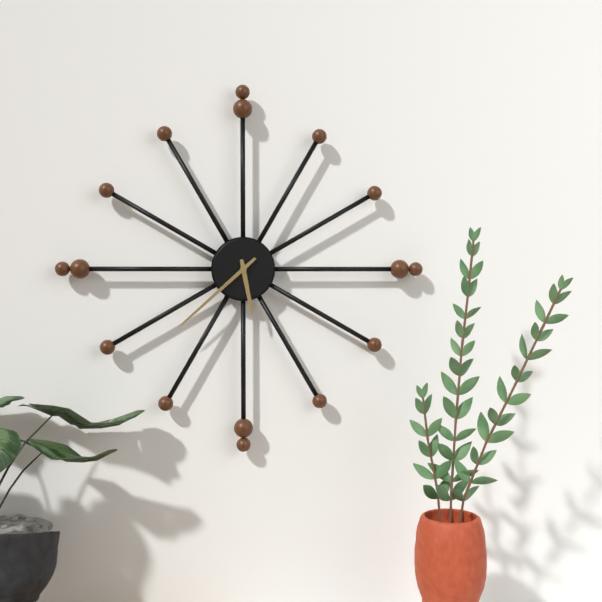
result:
{"hour": 5, "minute": 38}
